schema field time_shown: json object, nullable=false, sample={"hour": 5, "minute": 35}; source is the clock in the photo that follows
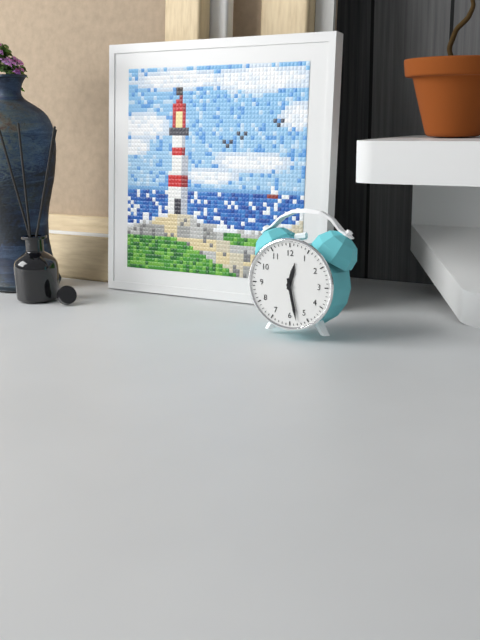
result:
{"hour": 12, "minute": 28}
